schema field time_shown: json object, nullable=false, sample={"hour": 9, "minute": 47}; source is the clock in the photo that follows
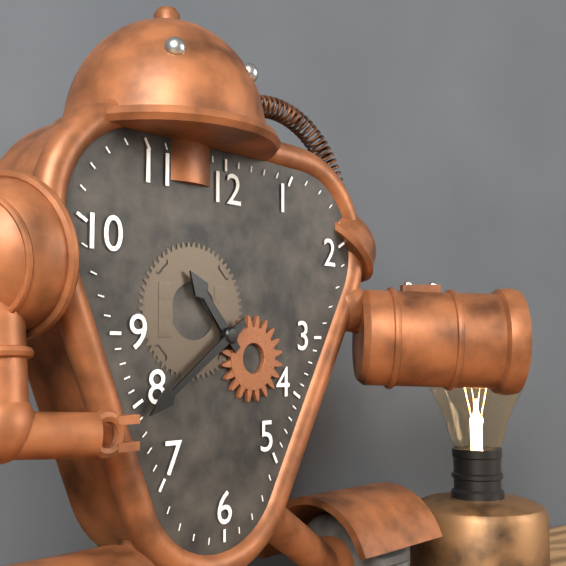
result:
{"hour": 10, "minute": 39}
